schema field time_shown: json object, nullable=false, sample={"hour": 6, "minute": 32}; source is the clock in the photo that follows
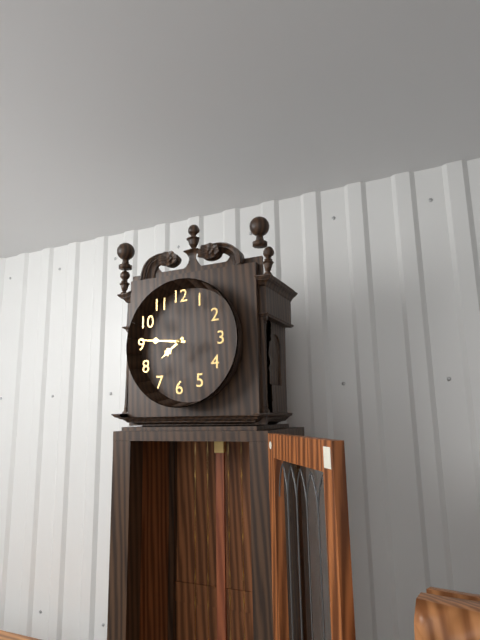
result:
{"hour": 7, "minute": 46}
